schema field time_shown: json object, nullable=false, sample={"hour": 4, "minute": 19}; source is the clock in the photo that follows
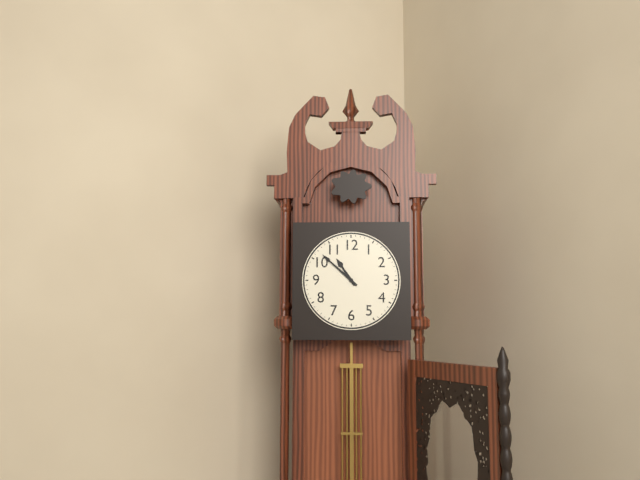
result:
{"hour": 10, "minute": 52}
